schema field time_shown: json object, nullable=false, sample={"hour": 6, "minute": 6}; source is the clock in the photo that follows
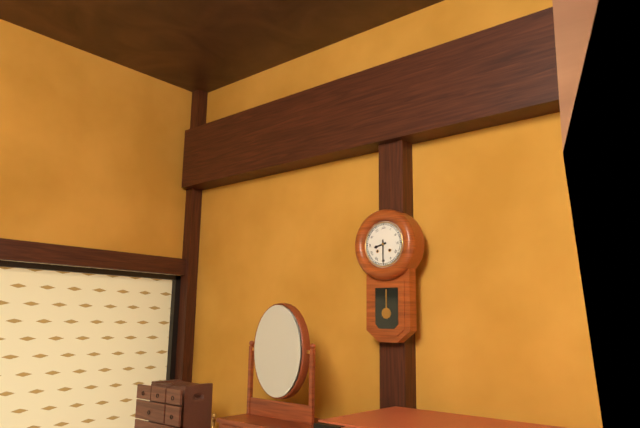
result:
{"hour": 8, "minute": 30}
